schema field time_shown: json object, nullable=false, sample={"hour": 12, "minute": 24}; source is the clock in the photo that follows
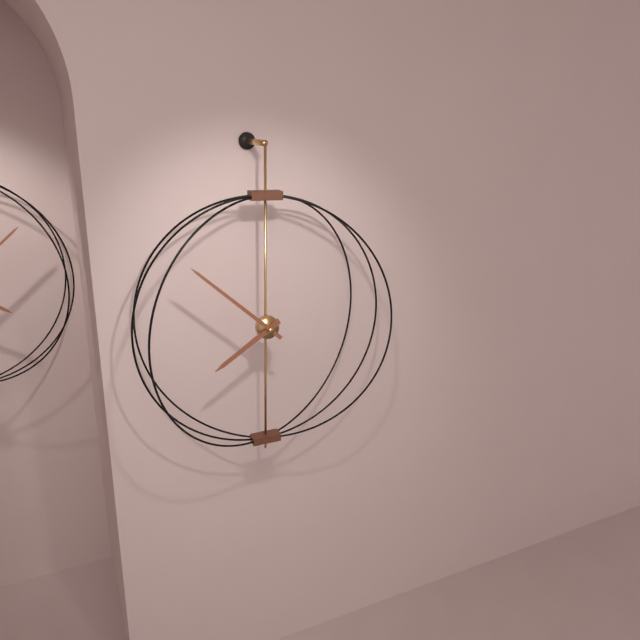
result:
{"hour": 7, "minute": 52}
